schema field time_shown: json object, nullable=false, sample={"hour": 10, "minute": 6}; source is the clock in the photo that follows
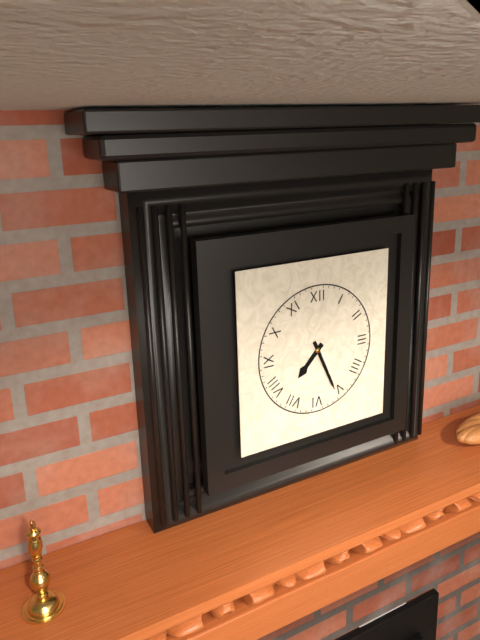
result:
{"hour": 7, "minute": 26}
